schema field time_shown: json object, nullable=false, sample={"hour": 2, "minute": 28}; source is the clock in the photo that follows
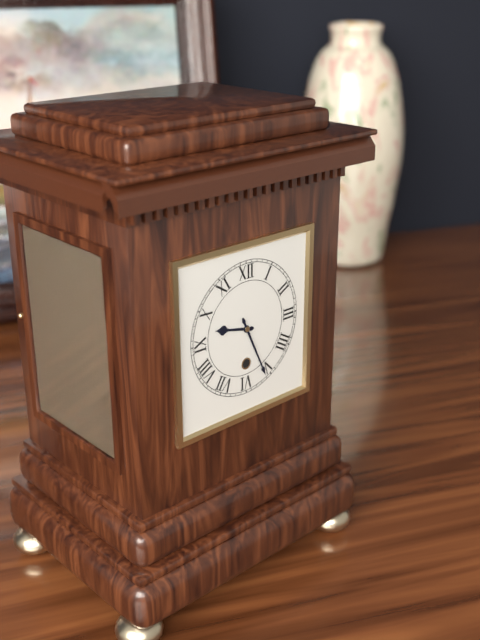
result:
{"hour": 9, "minute": 26}
